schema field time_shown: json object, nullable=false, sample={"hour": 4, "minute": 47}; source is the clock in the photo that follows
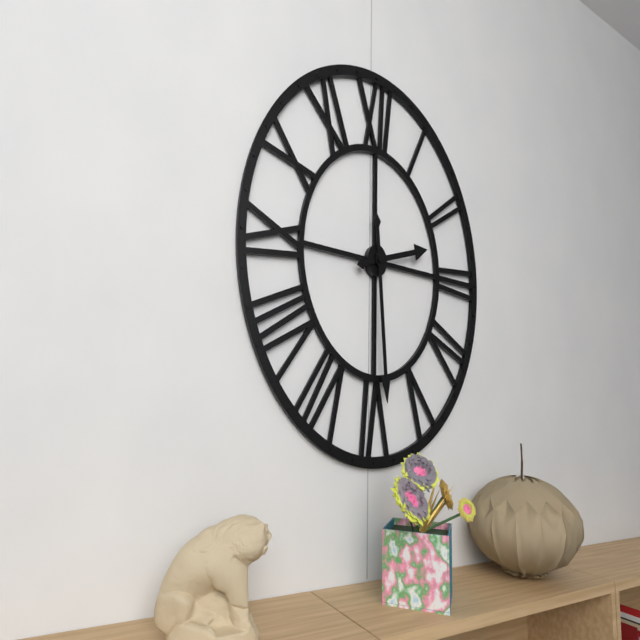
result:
{"hour": 2, "minute": 29}
